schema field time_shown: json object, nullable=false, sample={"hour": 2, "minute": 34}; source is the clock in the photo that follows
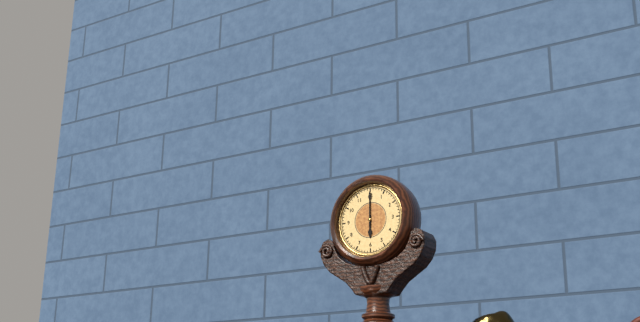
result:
{"hour": 6, "minute": 0}
